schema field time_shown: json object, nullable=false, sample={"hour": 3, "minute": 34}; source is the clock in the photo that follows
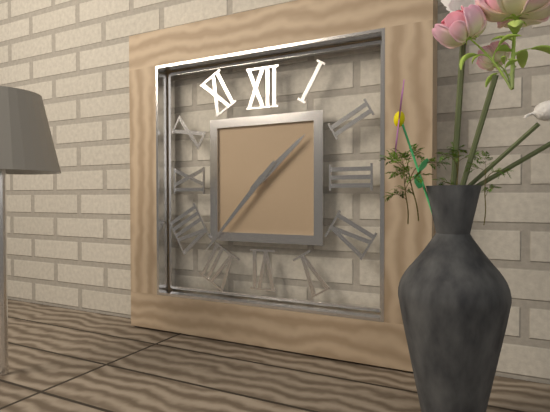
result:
{"hour": 1, "minute": 37}
